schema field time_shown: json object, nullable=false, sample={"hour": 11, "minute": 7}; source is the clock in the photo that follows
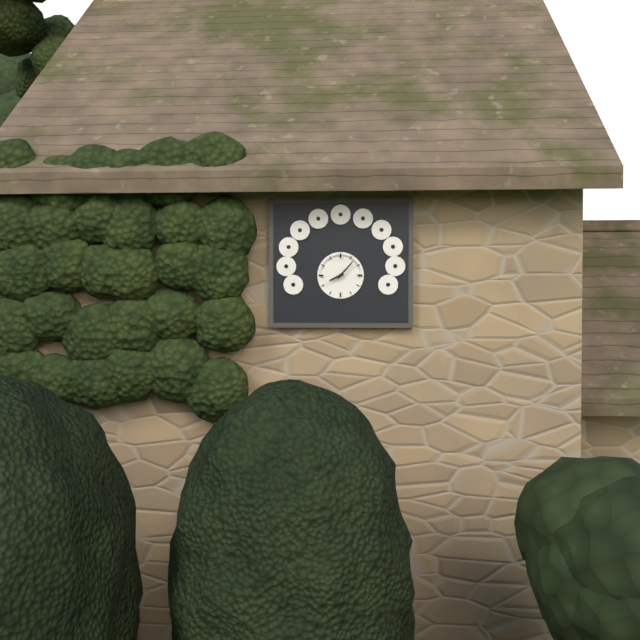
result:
{"hour": 8, "minute": 7}
